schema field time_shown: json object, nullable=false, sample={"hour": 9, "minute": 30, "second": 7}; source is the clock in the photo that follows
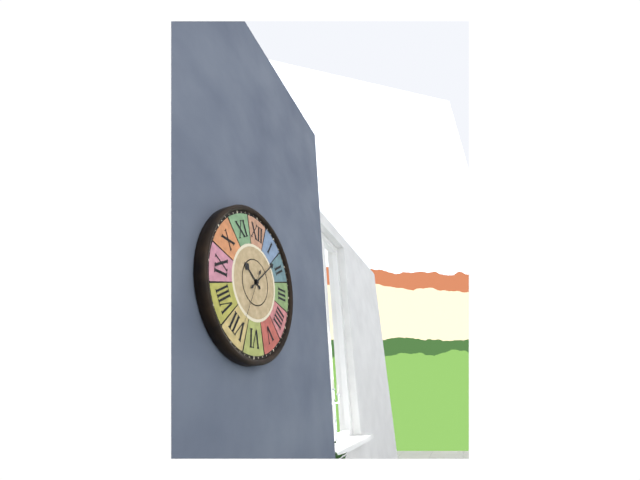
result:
{"hour": 10, "minute": 8, "second": 34}
